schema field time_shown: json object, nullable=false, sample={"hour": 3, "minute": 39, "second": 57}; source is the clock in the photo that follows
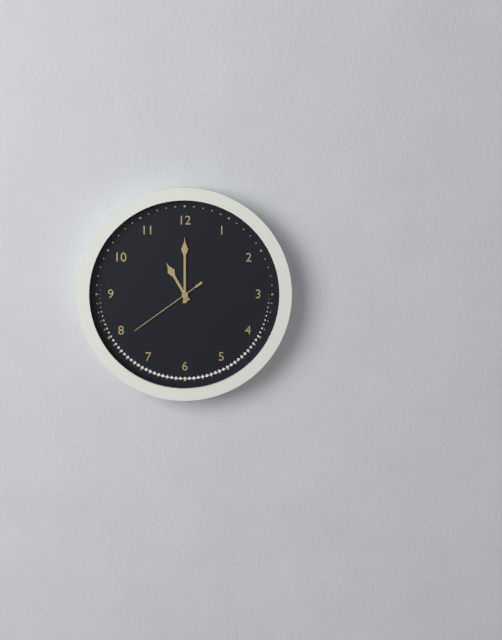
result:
{"hour": 11, "minute": 0, "second": 39}
